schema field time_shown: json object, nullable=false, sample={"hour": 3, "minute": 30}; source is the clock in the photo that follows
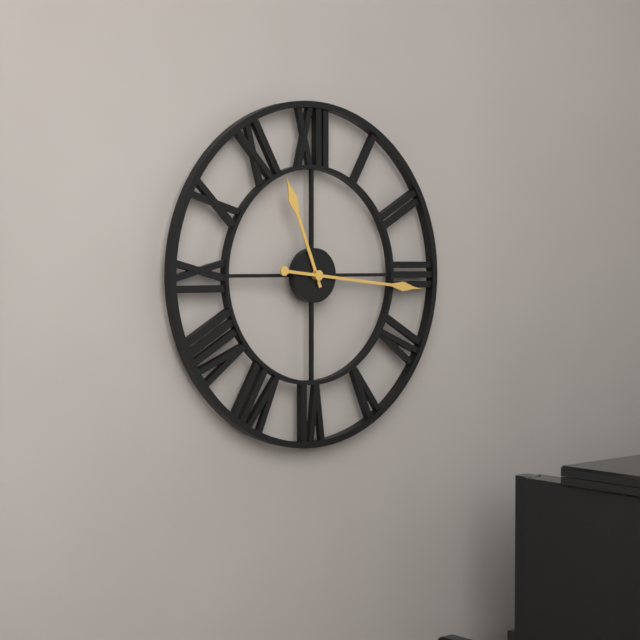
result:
{"hour": 11, "minute": 16}
